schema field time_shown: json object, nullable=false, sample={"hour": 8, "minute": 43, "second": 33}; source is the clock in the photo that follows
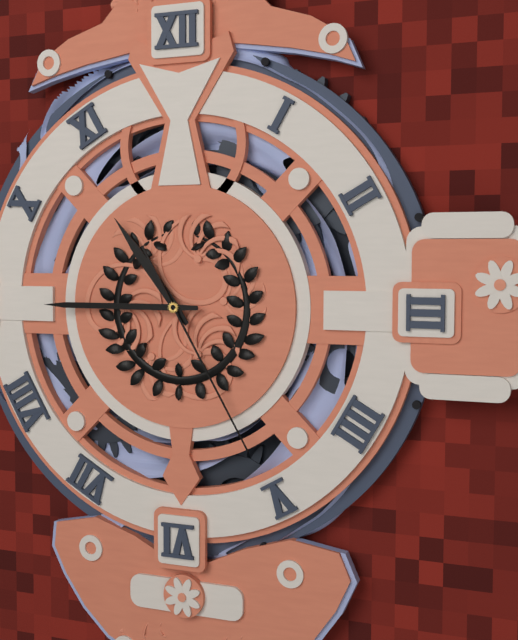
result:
{"hour": 10, "minute": 45, "second": 25}
